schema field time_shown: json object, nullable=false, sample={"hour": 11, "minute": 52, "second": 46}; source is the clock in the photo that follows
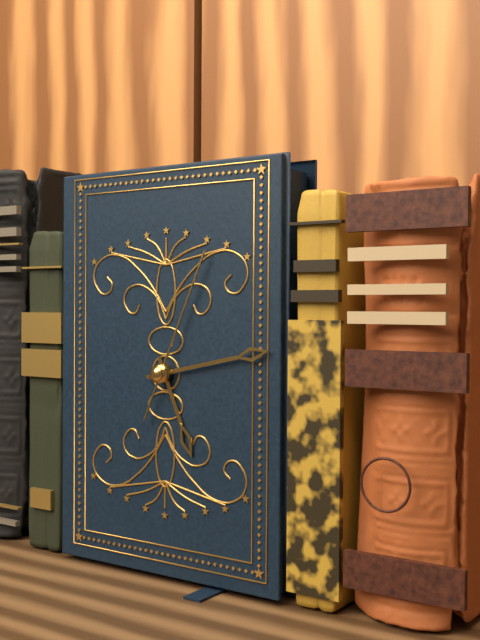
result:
{"hour": 5, "minute": 13, "second": 4}
